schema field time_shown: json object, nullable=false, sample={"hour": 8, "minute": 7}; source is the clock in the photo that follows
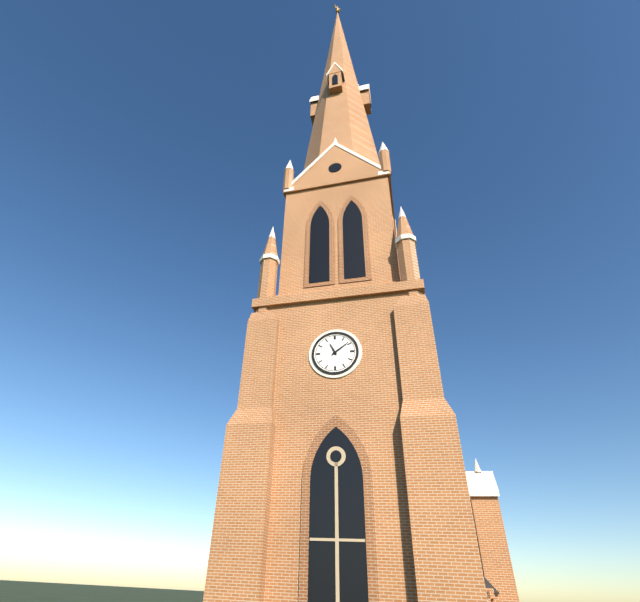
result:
{"hour": 11, "minute": 9}
